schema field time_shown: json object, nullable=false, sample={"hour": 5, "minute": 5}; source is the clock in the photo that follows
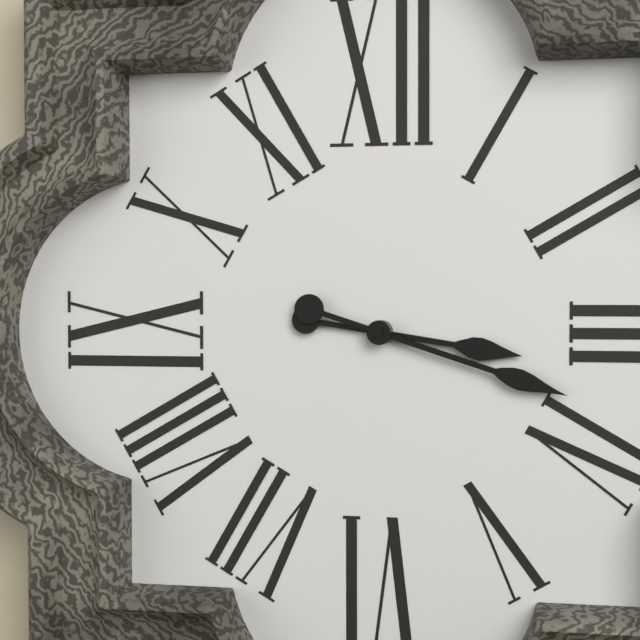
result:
{"hour": 3, "minute": 18}
